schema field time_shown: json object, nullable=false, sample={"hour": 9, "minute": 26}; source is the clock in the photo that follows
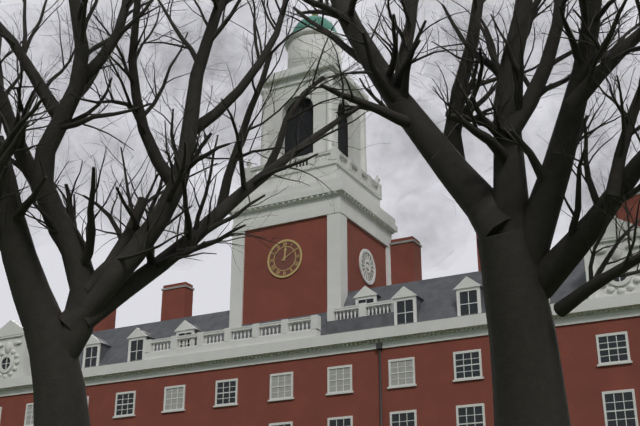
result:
{"hour": 12, "minute": 10}
